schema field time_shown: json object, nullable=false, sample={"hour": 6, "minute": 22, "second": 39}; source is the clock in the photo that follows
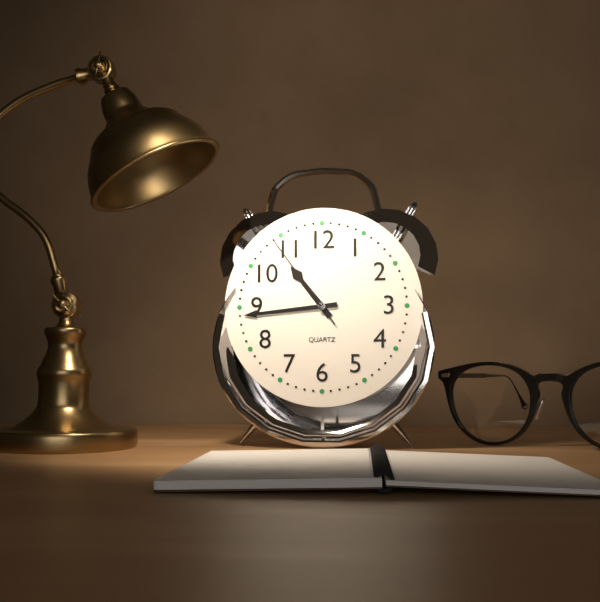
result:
{"hour": 10, "minute": 44, "second": 54}
